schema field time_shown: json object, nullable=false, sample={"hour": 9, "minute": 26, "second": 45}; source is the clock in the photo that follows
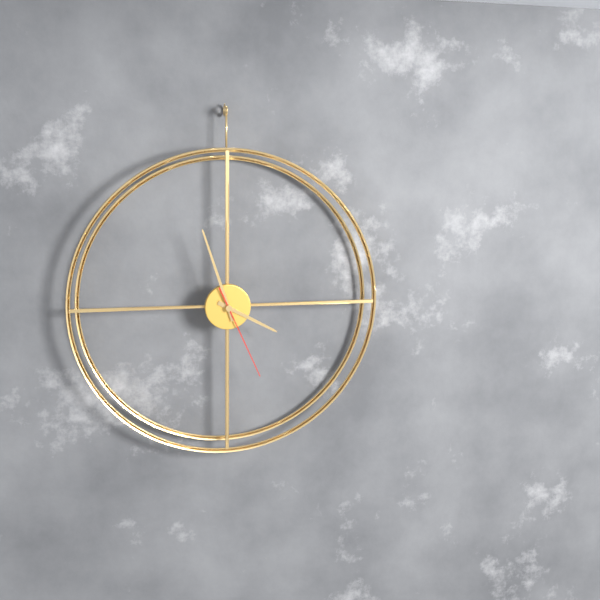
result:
{"hour": 3, "minute": 57, "second": 26}
